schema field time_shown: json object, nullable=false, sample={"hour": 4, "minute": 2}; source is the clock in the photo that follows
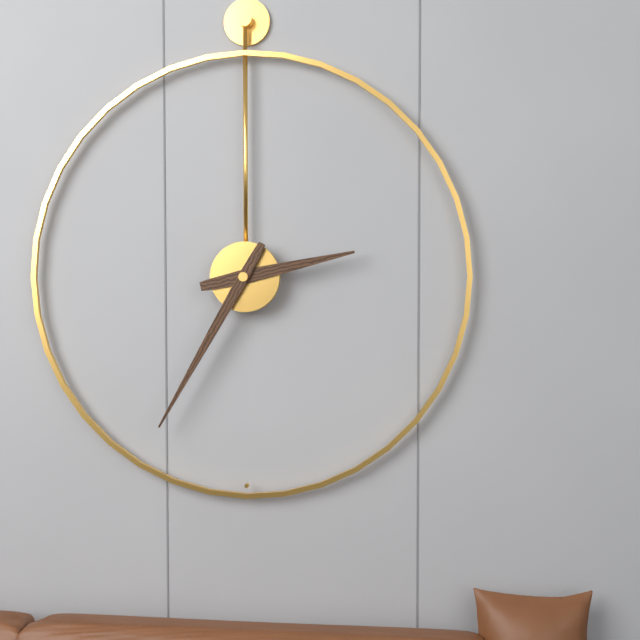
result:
{"hour": 2, "minute": 35}
